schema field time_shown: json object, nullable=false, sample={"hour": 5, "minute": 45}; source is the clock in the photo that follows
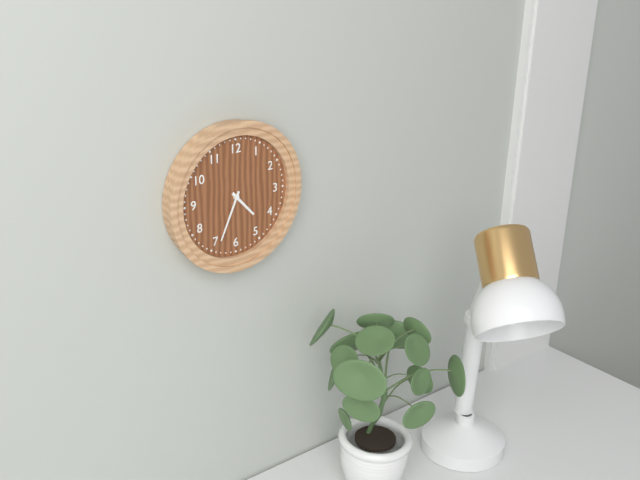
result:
{"hour": 4, "minute": 34}
